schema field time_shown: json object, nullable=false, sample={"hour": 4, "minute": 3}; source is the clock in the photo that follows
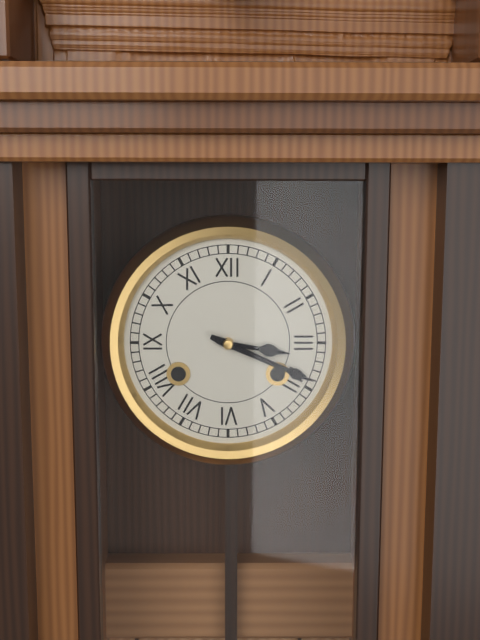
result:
{"hour": 3, "minute": 19}
